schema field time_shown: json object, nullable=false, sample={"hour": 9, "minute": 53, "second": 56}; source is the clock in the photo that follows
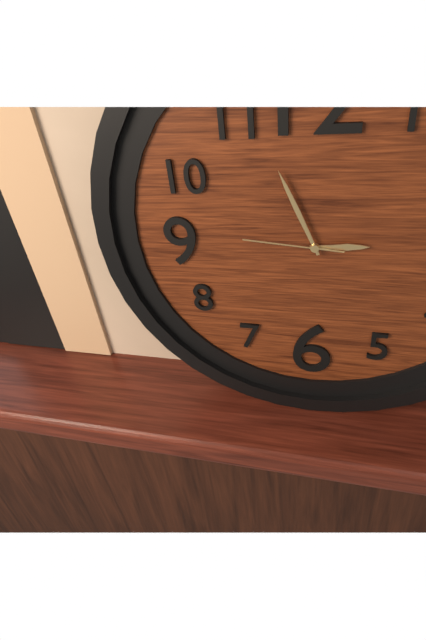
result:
{"hour": 2, "minute": 56, "second": 46}
